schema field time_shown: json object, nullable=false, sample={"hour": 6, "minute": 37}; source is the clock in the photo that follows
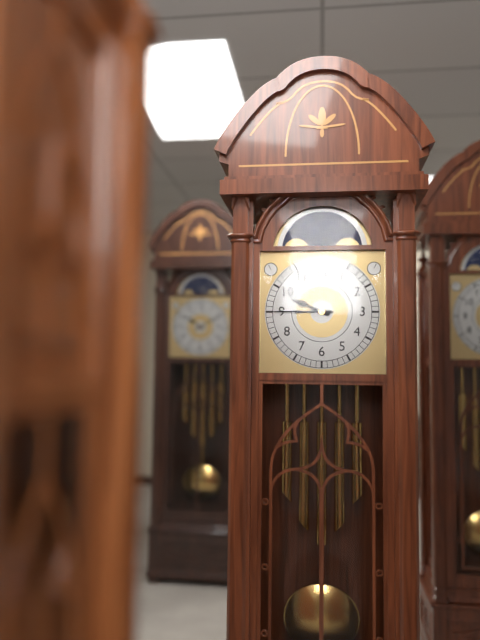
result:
{"hour": 9, "minute": 45}
